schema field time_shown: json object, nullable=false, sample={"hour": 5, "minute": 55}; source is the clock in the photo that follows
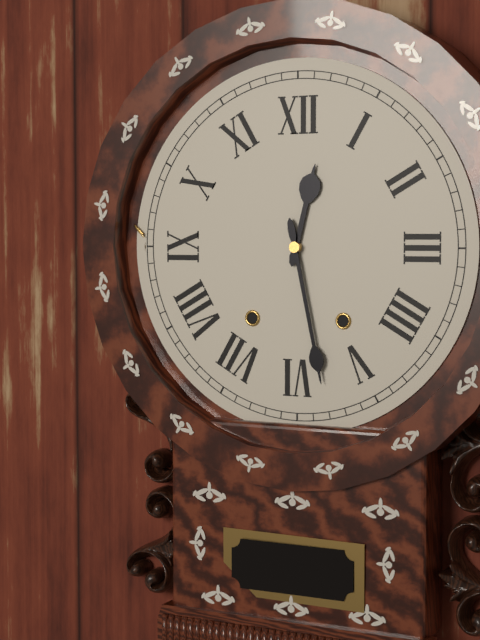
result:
{"hour": 12, "minute": 28}
